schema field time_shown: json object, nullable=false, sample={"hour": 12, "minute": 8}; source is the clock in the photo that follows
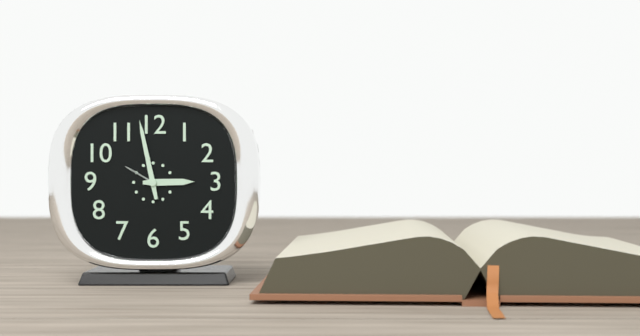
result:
{"hour": 2, "minute": 58}
